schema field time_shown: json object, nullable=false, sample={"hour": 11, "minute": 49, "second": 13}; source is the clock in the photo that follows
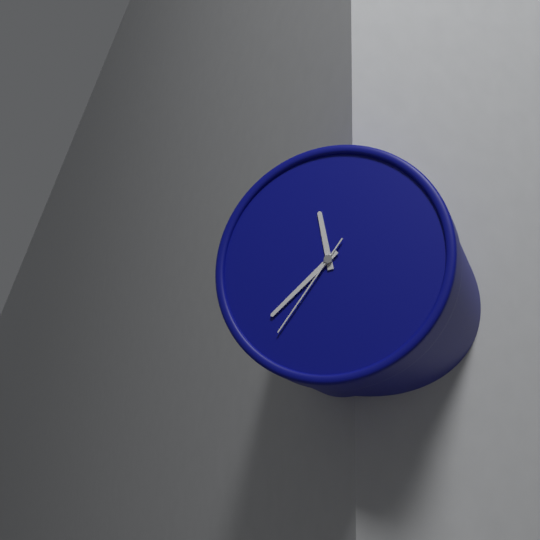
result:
{"hour": 11, "minute": 38, "second": 36}
